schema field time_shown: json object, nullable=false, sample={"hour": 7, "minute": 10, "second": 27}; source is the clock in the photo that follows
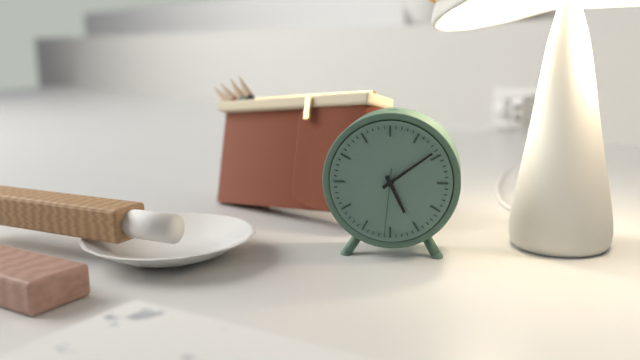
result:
{"hour": 5, "minute": 9, "second": 31}
